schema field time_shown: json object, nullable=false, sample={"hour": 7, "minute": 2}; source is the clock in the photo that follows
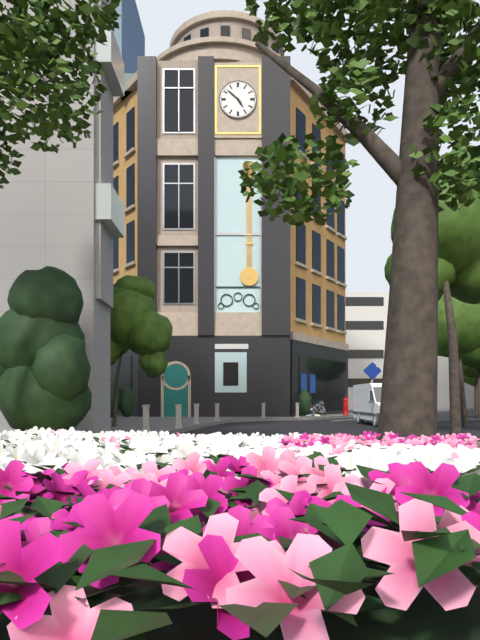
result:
{"hour": 4, "minute": 52}
